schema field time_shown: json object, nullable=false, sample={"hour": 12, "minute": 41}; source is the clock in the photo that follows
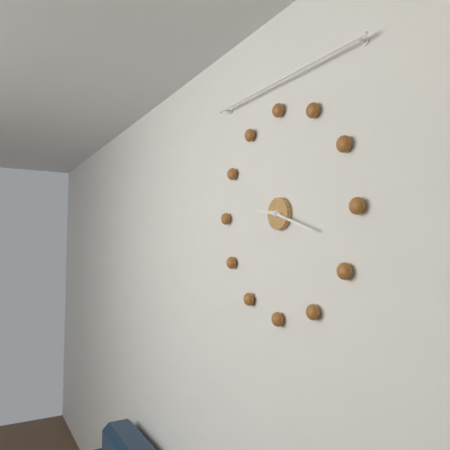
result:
{"hour": 9, "minute": 18}
